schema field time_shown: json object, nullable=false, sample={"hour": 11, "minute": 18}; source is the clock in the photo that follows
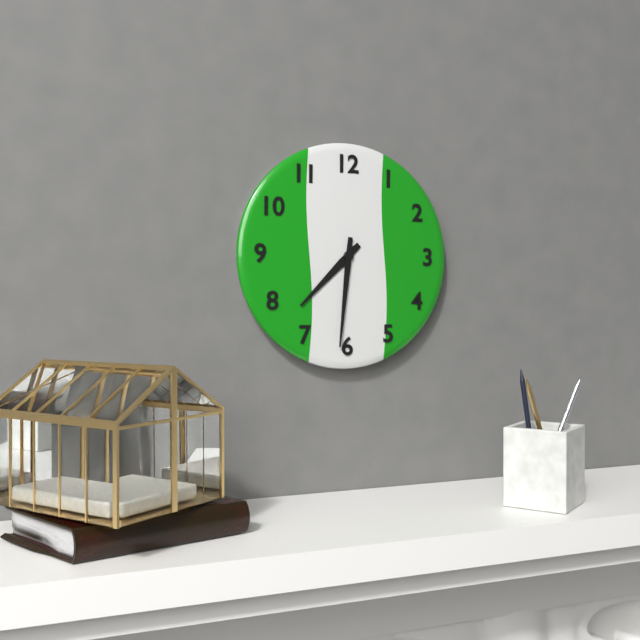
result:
{"hour": 7, "minute": 31}
